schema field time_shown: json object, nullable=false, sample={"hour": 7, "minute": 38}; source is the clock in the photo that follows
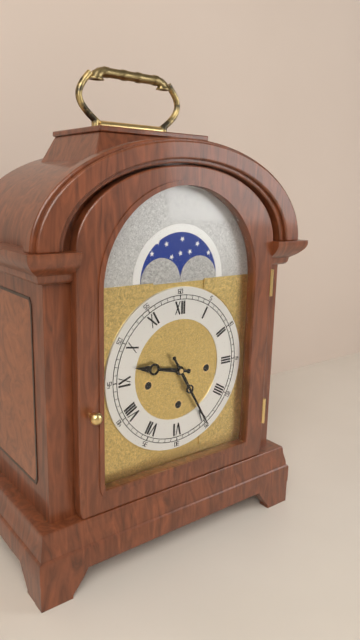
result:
{"hour": 9, "minute": 25}
